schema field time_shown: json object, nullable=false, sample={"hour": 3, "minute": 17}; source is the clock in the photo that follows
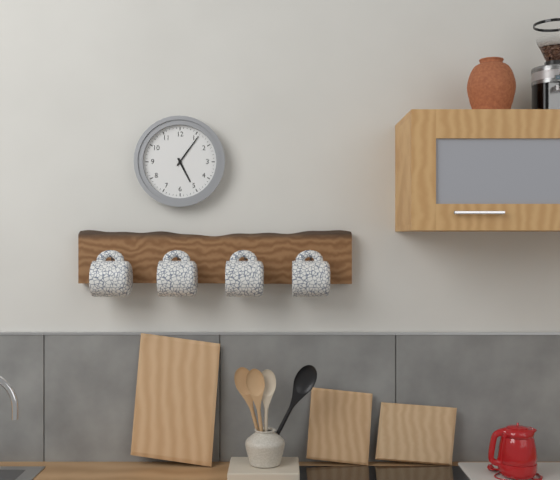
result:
{"hour": 5, "minute": 6}
